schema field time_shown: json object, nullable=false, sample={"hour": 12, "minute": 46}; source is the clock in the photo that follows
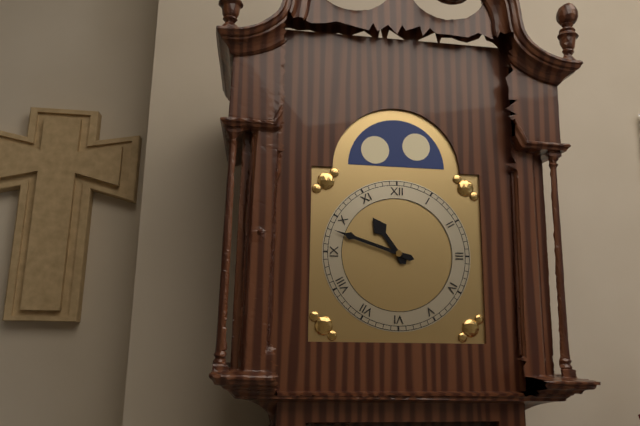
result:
{"hour": 10, "minute": 48}
